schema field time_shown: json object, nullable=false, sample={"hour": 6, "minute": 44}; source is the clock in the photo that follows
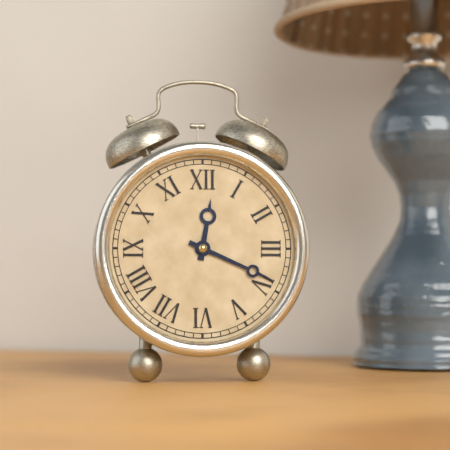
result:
{"hour": 12, "minute": 19}
